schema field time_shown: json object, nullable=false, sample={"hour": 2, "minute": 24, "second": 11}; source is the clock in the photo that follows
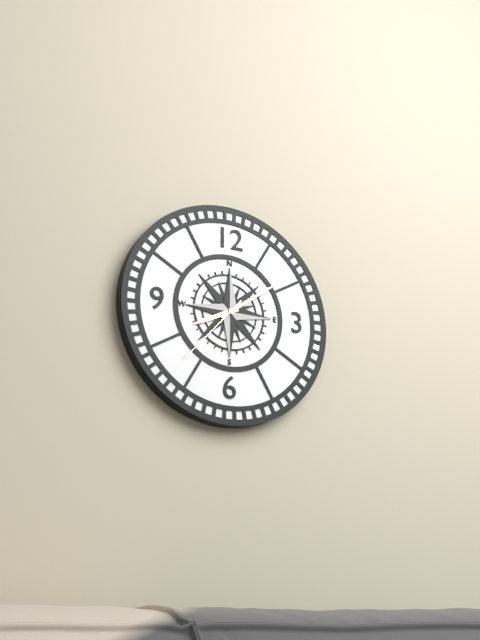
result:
{"hour": 8, "minute": 9, "second": 37}
